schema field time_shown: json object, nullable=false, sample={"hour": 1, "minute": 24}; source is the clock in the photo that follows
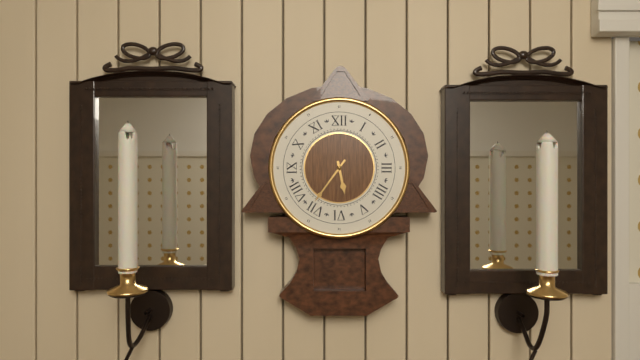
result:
{"hour": 5, "minute": 36}
